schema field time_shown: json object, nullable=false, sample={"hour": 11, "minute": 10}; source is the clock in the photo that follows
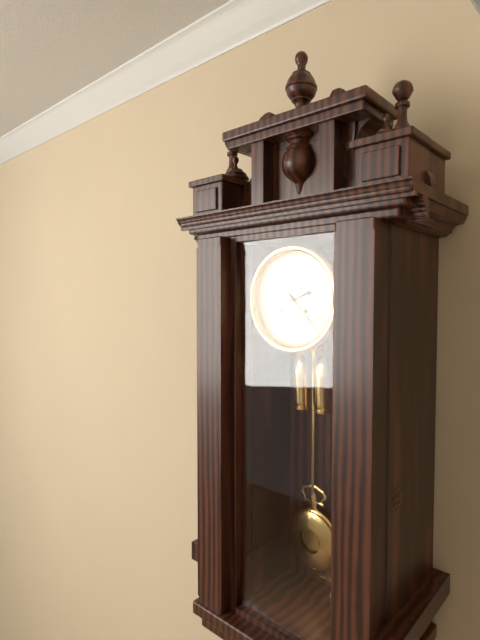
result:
{"hour": 2, "minute": 23}
